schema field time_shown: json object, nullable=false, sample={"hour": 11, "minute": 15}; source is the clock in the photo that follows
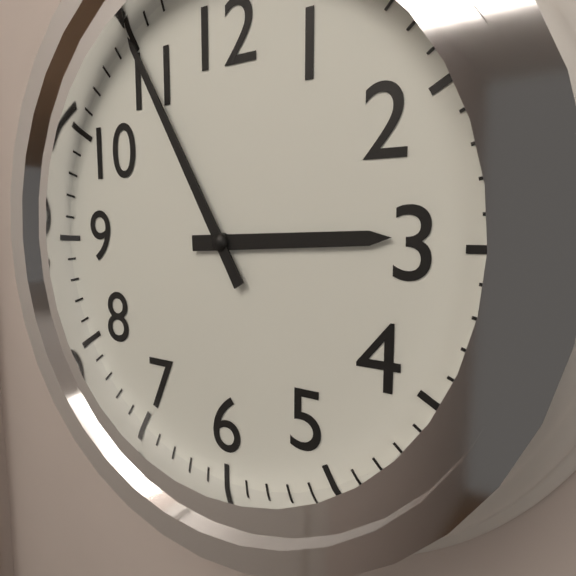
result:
{"hour": 2, "minute": 55}
